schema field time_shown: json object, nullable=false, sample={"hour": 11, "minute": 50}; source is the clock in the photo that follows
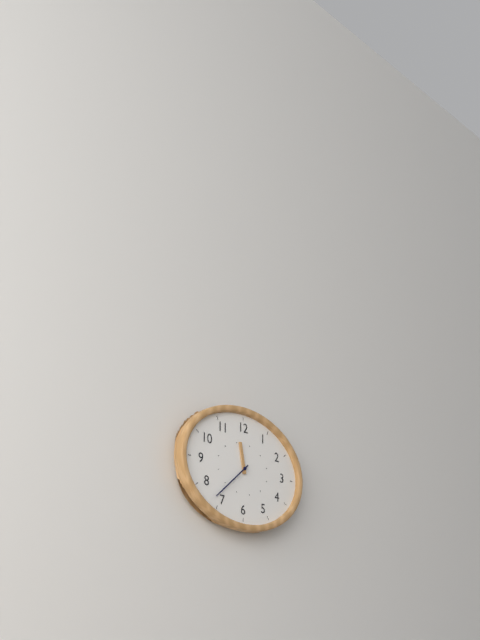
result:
{"hour": 11, "minute": 38}
